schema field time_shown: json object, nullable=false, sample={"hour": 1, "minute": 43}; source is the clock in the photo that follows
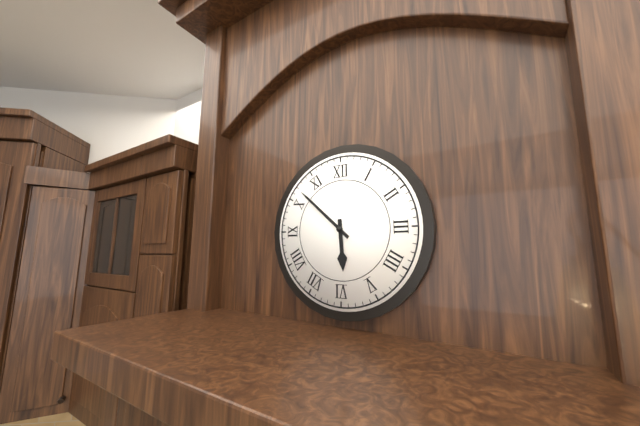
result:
{"hour": 5, "minute": 52}
